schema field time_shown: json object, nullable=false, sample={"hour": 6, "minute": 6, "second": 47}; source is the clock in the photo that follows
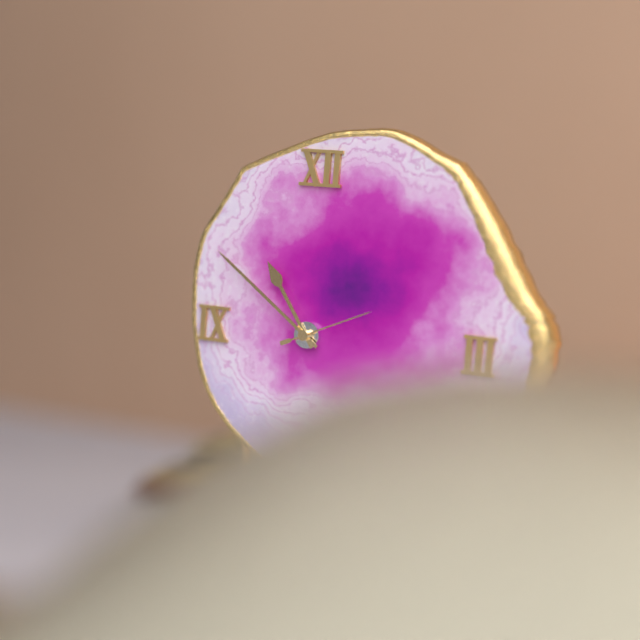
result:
{"hour": 10, "minute": 51, "second": 11}
